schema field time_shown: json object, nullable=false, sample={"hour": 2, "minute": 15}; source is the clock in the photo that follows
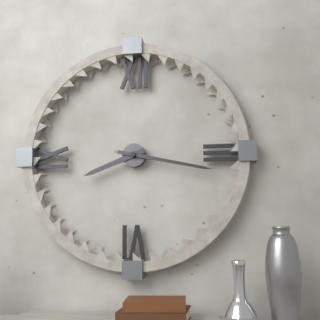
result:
{"hour": 8, "minute": 17}
